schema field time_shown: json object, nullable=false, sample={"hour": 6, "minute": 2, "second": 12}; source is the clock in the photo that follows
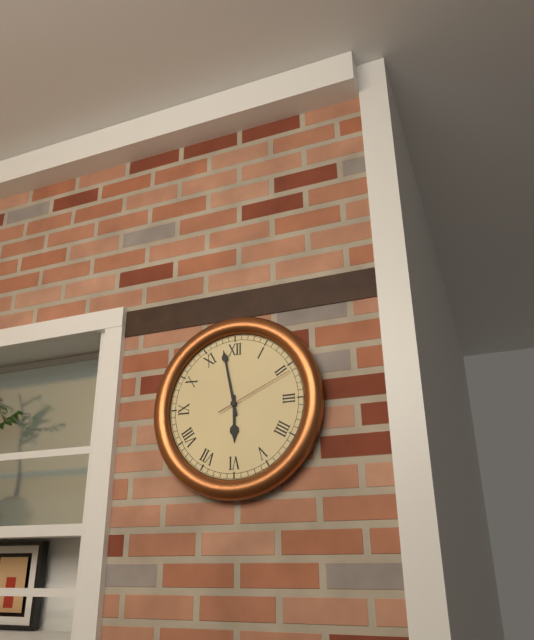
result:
{"hour": 5, "minute": 58, "second": 11}
